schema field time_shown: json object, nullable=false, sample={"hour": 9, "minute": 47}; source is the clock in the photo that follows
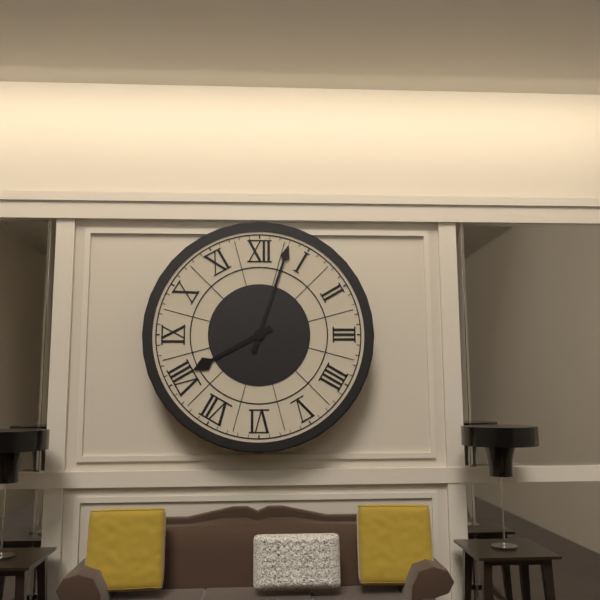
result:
{"hour": 8, "minute": 3}
